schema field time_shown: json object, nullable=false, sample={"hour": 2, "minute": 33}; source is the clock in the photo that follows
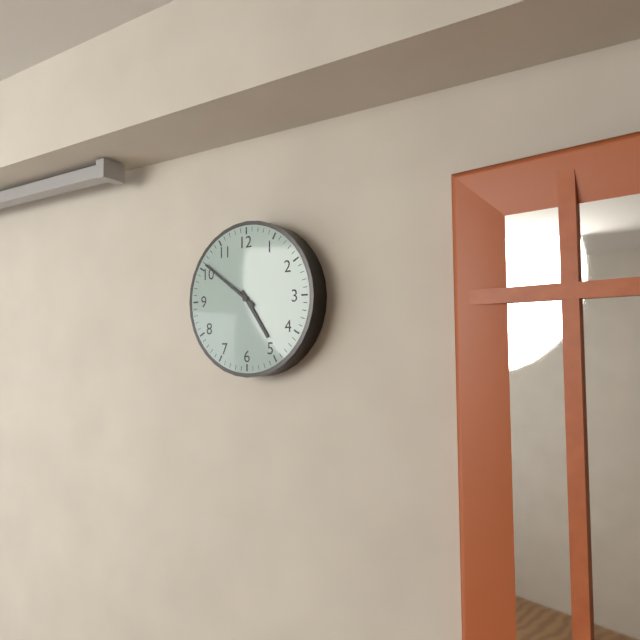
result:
{"hour": 4, "minute": 51}
